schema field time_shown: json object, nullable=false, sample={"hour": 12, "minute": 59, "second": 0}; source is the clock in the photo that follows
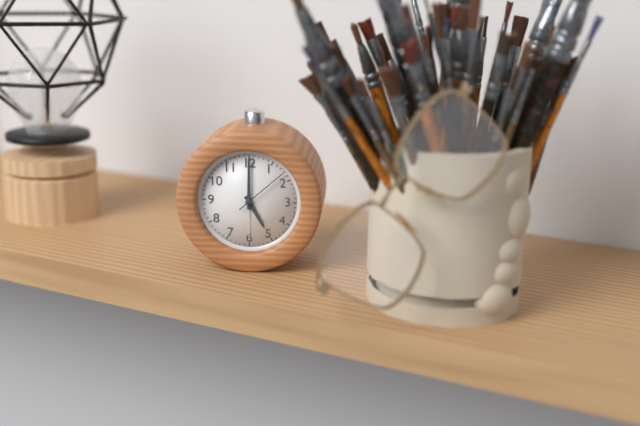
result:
{"hour": 5, "minute": 0, "second": 8}
